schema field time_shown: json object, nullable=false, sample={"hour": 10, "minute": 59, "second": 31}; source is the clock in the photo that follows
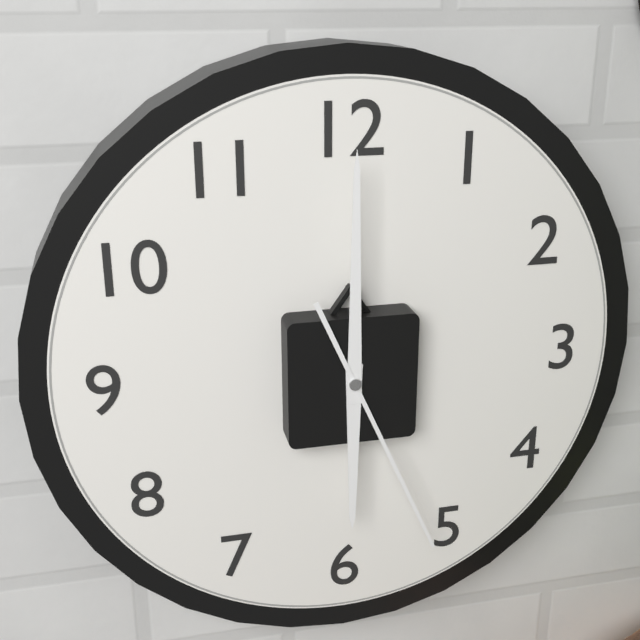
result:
{"hour": 6, "minute": 0, "second": 26}
